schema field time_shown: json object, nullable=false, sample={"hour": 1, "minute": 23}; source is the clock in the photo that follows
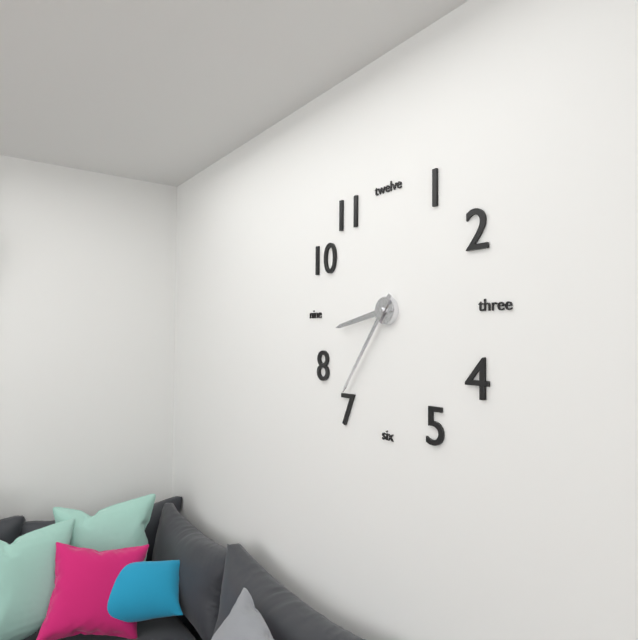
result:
{"hour": 8, "minute": 36}
